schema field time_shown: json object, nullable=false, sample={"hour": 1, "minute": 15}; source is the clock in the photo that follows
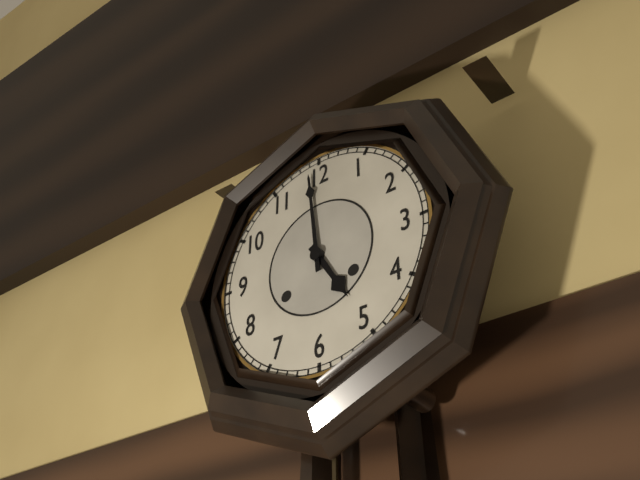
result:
{"hour": 4, "minute": 59}
